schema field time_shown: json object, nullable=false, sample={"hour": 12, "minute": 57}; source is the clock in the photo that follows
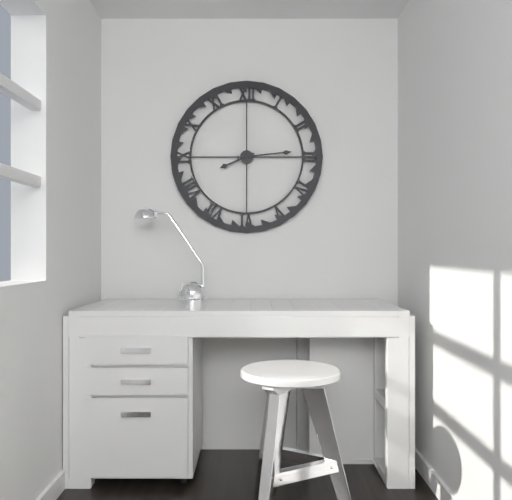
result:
{"hour": 8, "minute": 14}
